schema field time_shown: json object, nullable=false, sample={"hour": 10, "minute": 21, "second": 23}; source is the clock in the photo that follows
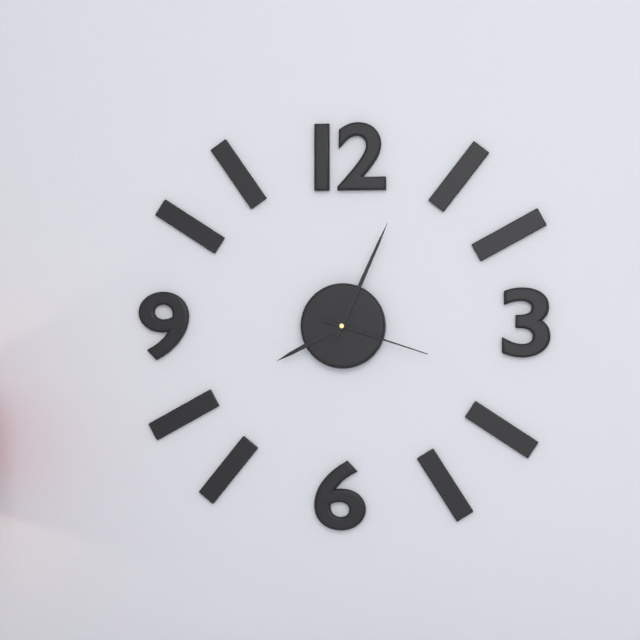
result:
{"hour": 8, "minute": 4, "second": 18}
